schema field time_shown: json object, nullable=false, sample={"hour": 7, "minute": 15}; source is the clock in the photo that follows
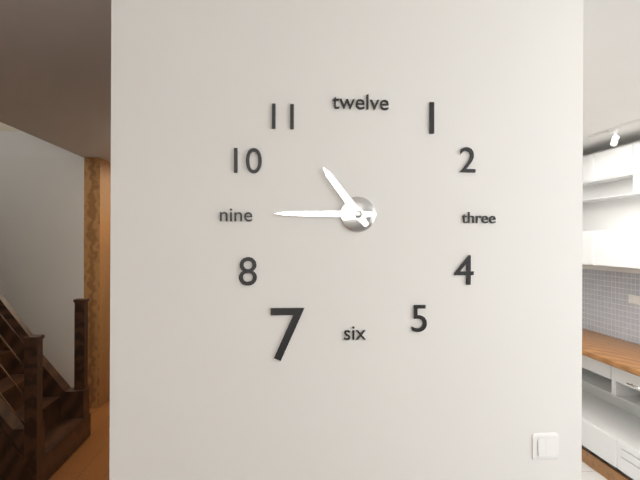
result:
{"hour": 10, "minute": 45}
